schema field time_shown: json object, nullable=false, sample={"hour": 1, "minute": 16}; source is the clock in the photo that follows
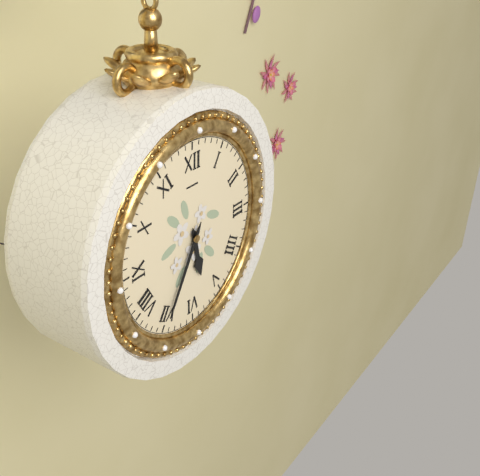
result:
{"hour": 5, "minute": 35}
